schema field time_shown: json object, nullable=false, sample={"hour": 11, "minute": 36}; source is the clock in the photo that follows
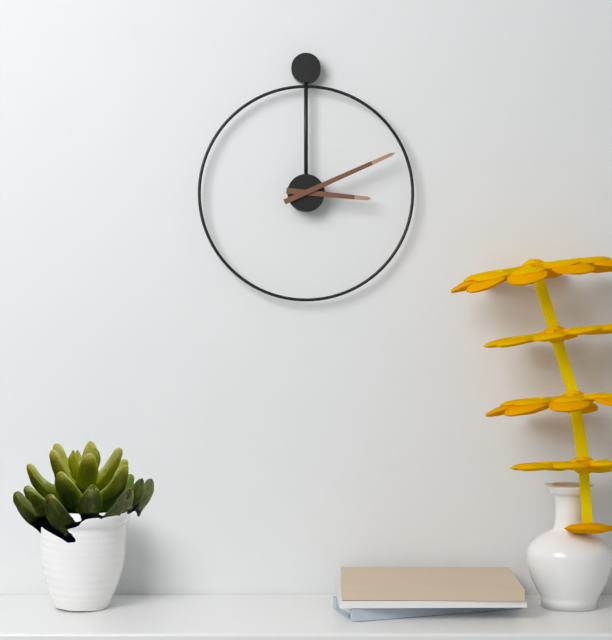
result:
{"hour": 3, "minute": 11}
